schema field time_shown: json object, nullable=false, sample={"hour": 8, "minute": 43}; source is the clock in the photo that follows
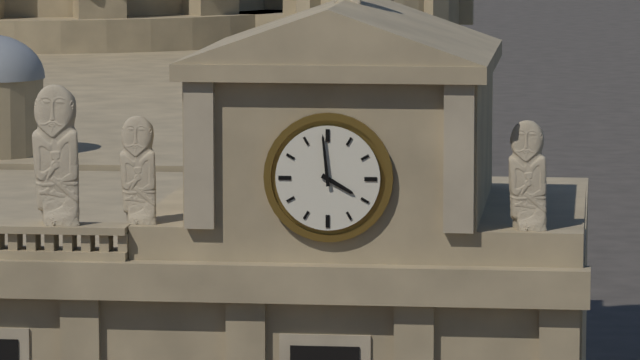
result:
{"hour": 3, "minute": 59}
